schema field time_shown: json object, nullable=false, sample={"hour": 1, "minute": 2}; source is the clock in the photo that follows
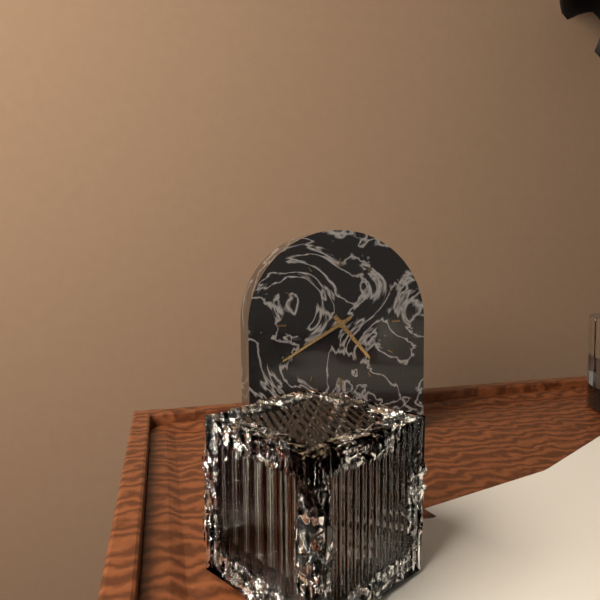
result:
{"hour": 4, "minute": 40}
